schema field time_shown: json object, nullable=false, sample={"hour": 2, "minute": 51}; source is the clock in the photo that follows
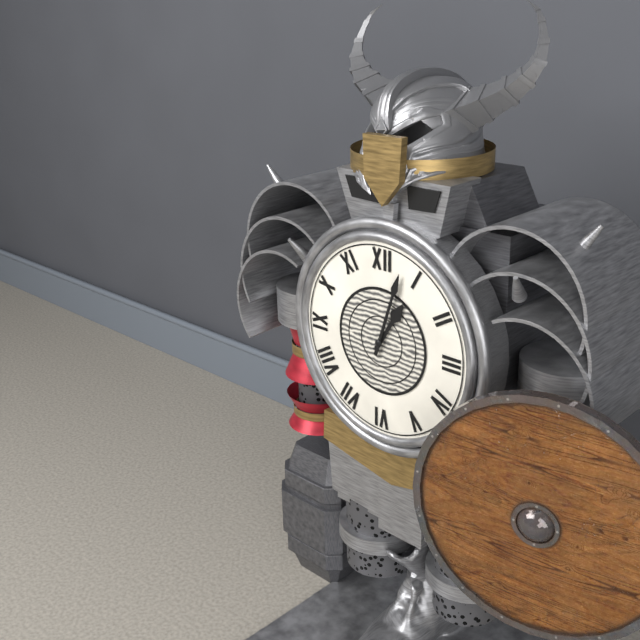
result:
{"hour": 1, "minute": 3}
